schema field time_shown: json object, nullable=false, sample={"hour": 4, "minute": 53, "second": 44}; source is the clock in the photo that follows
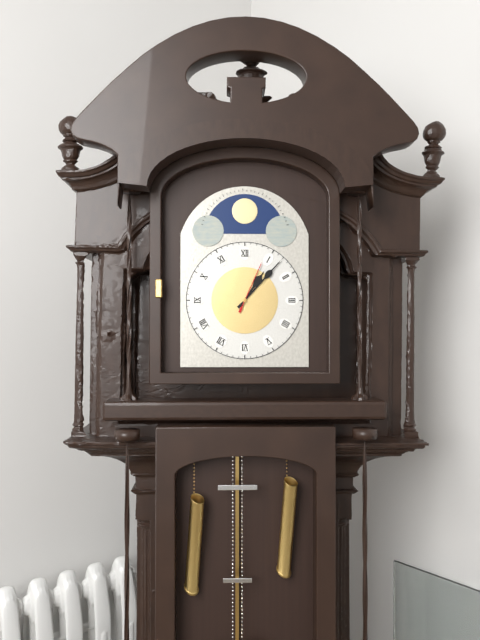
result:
{"hour": 1, "minute": 7, "second": 4}
